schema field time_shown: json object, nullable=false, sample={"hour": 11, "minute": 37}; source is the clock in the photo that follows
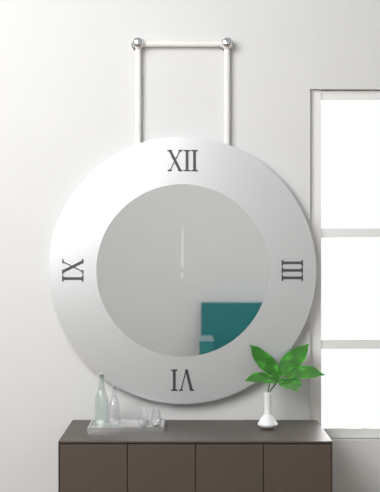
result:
{"hour": 12, "minute": 0}
